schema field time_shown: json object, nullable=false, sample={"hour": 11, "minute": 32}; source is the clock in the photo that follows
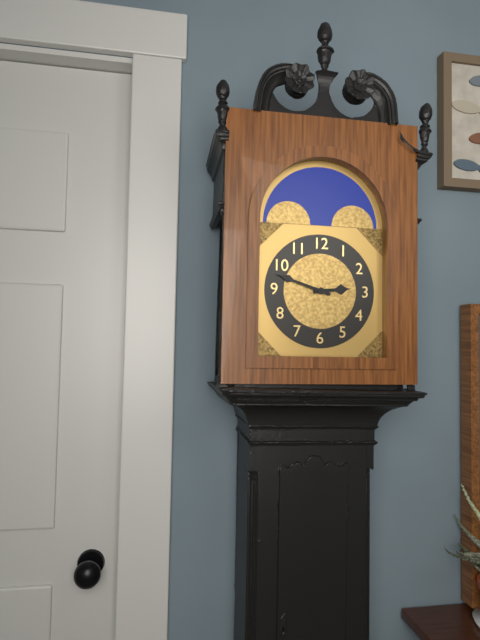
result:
{"hour": 2, "minute": 48}
